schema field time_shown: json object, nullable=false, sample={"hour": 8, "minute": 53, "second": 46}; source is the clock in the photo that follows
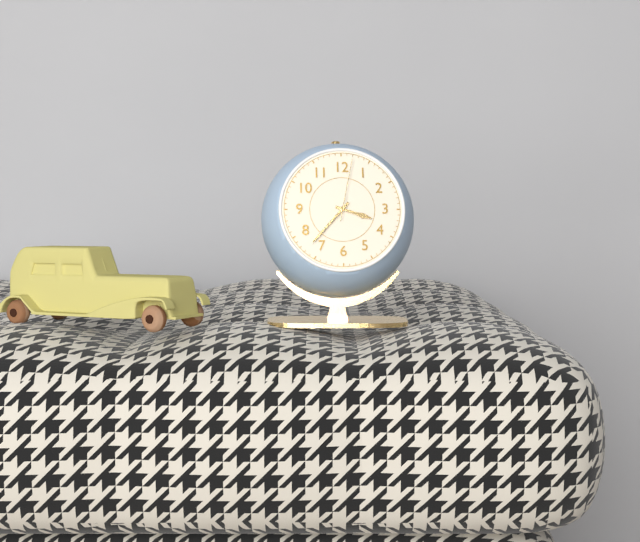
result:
{"hour": 3, "minute": 37, "second": 2}
